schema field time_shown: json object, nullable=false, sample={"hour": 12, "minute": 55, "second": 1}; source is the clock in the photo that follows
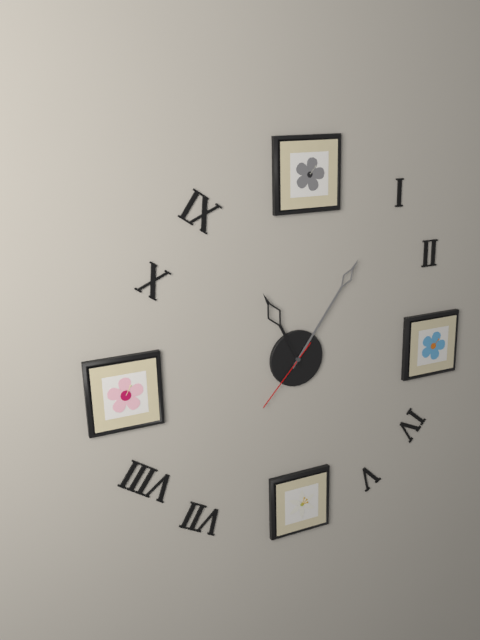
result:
{"hour": 11, "minute": 6, "second": 37}
